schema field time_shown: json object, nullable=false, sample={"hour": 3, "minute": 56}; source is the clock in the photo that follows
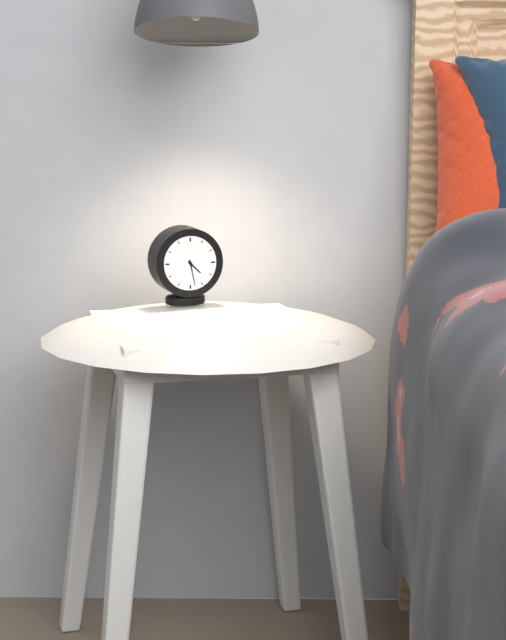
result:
{"hour": 4, "minute": 28}
